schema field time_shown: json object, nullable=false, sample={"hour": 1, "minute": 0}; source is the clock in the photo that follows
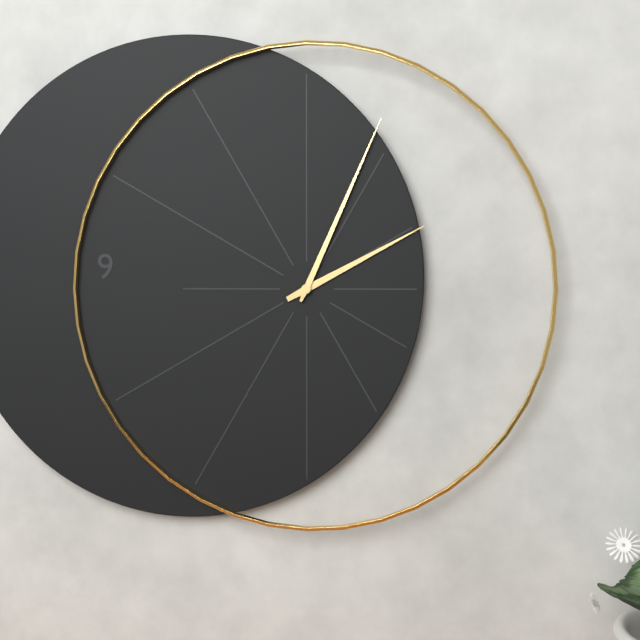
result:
{"hour": 2, "minute": 4}
